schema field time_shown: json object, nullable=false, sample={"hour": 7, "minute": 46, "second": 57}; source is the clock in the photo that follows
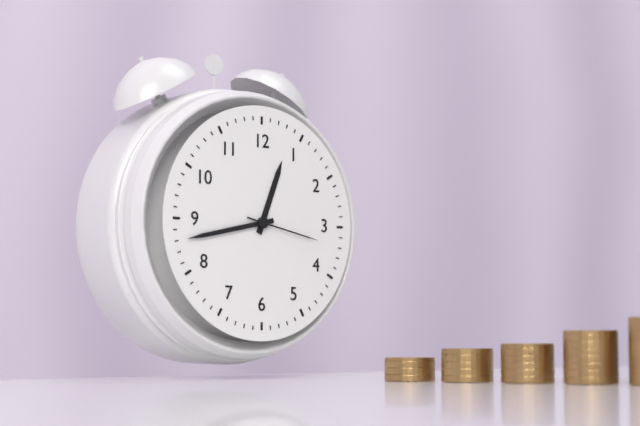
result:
{"hour": 12, "minute": 43, "second": 17}
